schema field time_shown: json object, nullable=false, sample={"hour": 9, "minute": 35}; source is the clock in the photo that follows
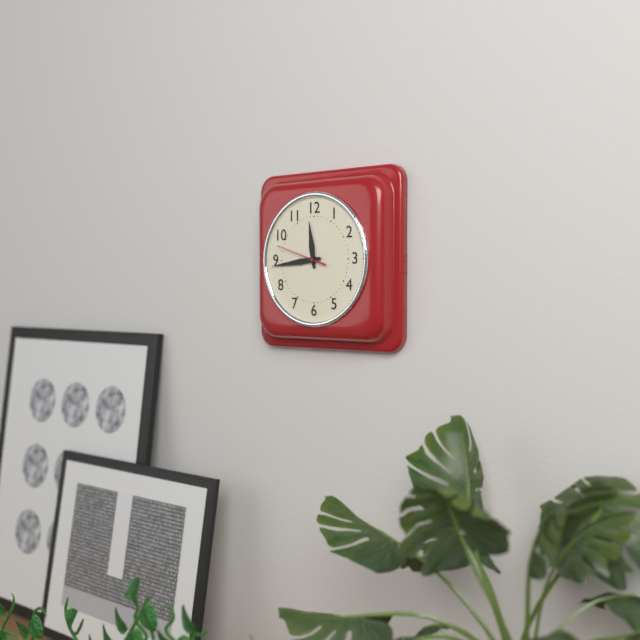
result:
{"hour": 11, "minute": 44}
